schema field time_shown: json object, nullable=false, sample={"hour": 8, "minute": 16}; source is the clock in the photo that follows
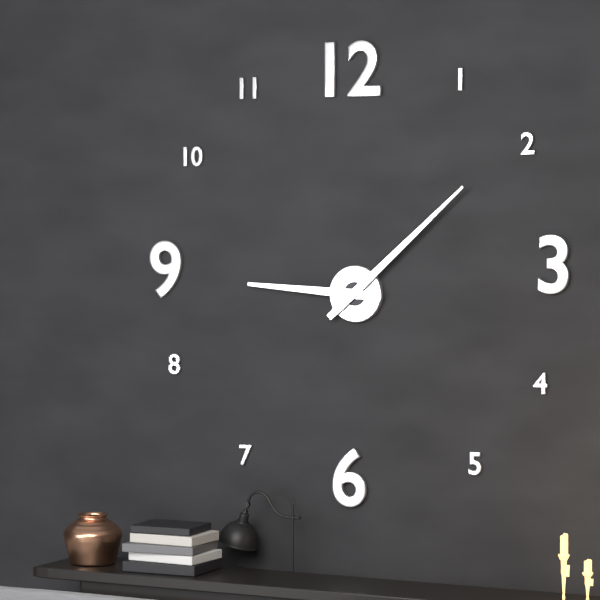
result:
{"hour": 9, "minute": 8}
